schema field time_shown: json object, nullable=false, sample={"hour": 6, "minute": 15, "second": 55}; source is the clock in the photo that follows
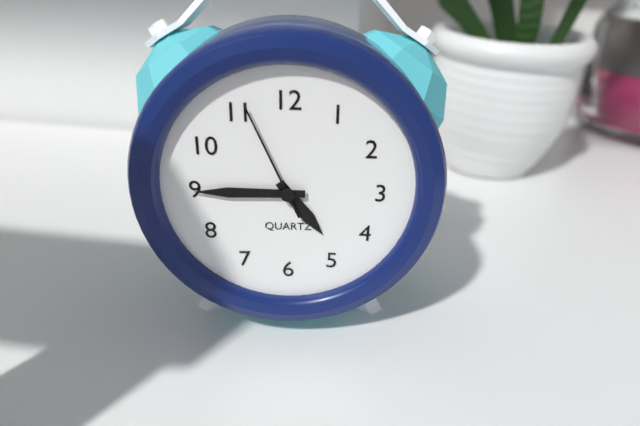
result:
{"hour": 4, "minute": 45, "second": 56}
